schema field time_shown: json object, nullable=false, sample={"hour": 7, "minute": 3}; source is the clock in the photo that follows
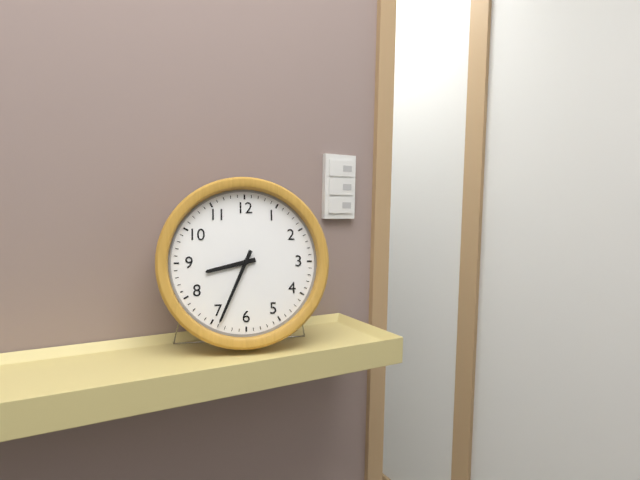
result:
{"hour": 8, "minute": 34}
